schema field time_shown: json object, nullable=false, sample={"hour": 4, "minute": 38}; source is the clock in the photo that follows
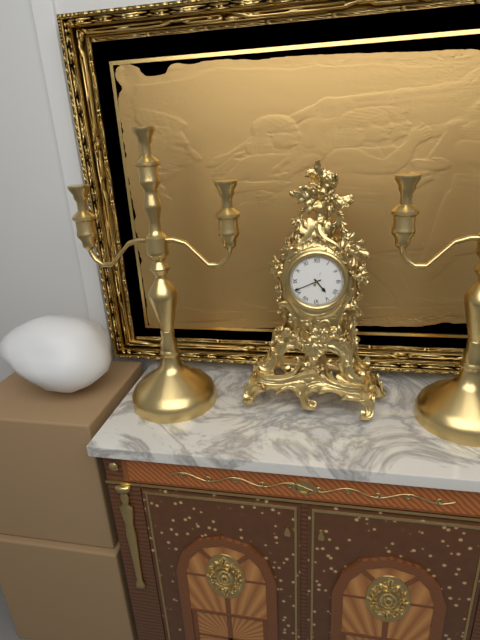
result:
{"hour": 4, "minute": 41}
